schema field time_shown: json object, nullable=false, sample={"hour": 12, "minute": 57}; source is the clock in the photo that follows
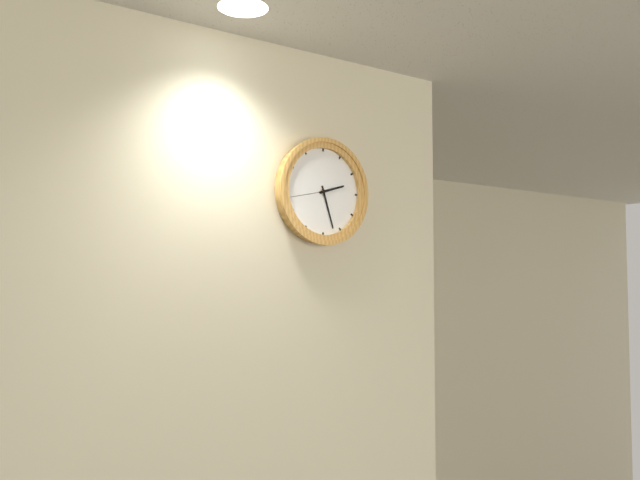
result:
{"hour": 2, "minute": 27}
